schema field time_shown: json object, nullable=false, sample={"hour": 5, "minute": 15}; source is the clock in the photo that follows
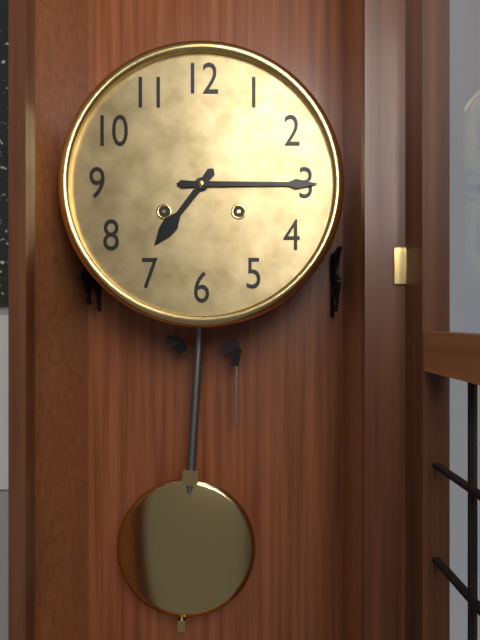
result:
{"hour": 7, "minute": 15}
